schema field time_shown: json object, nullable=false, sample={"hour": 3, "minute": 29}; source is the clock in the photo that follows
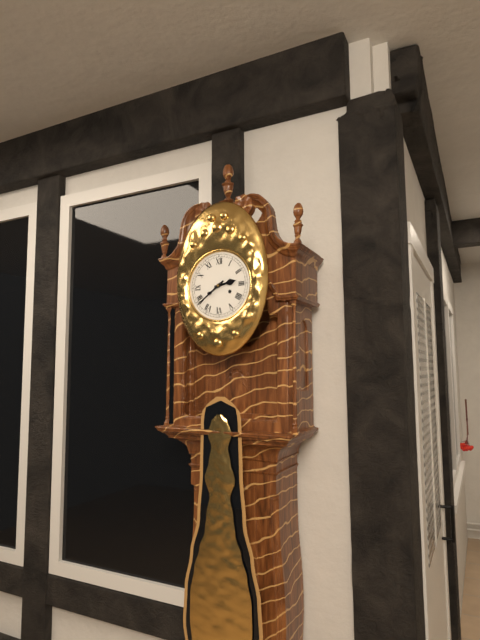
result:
{"hour": 2, "minute": 39}
